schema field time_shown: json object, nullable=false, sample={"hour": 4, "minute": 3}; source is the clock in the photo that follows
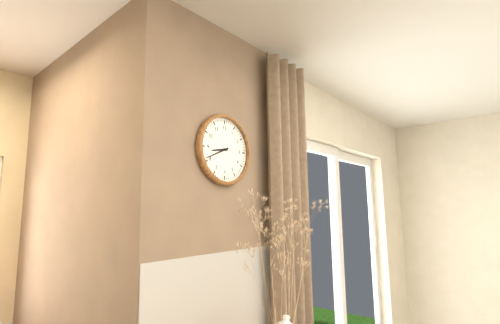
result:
{"hour": 8, "minute": 41}
